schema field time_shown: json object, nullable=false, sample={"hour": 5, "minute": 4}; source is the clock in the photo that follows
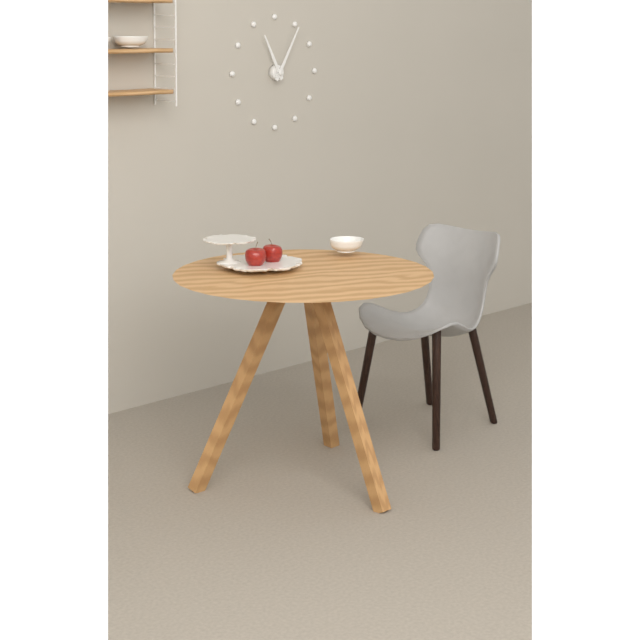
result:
{"hour": 11, "minute": 5}
